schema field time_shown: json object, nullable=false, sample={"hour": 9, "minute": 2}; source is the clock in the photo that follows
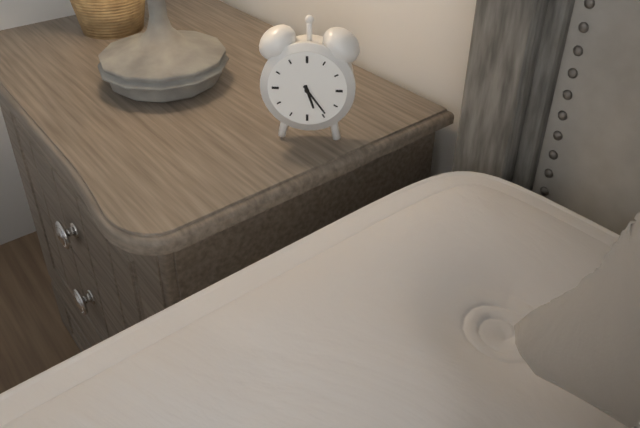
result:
{"hour": 5, "minute": 24}
